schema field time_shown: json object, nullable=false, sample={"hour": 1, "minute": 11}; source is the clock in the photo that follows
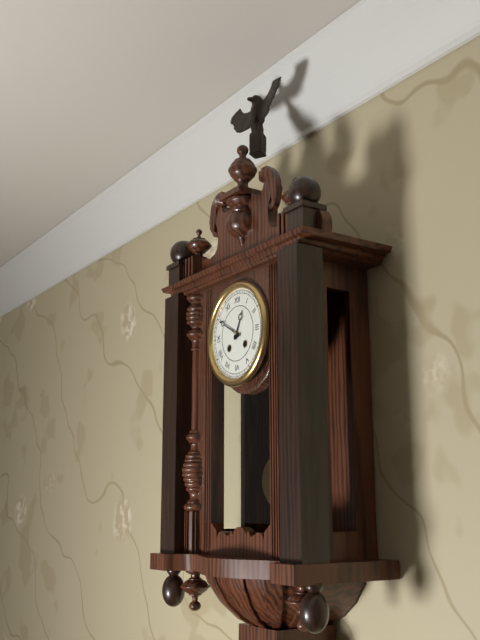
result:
{"hour": 12, "minute": 50}
